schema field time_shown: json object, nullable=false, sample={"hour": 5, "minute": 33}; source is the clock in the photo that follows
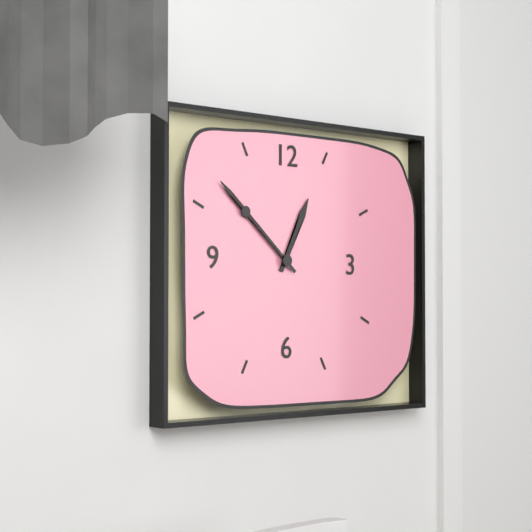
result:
{"hour": 12, "minute": 52}
